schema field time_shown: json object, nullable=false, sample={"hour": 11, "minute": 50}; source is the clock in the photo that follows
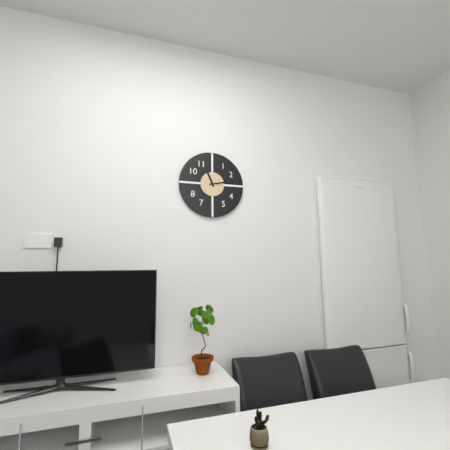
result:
{"hour": 11, "minute": 13}
